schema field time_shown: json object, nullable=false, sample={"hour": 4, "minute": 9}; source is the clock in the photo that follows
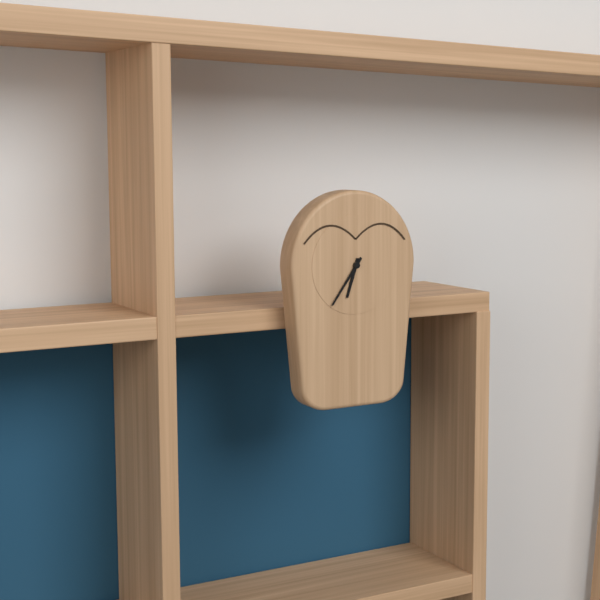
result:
{"hour": 6, "minute": 36}
